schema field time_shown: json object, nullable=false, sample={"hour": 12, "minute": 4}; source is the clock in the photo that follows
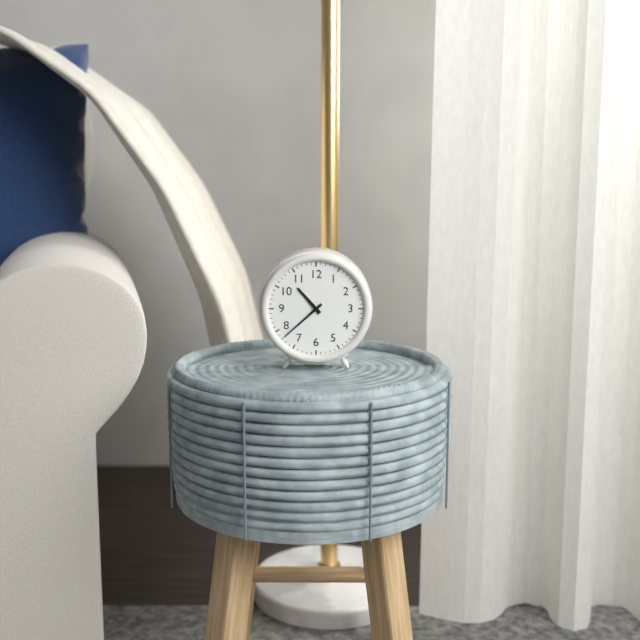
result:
{"hour": 10, "minute": 38}
